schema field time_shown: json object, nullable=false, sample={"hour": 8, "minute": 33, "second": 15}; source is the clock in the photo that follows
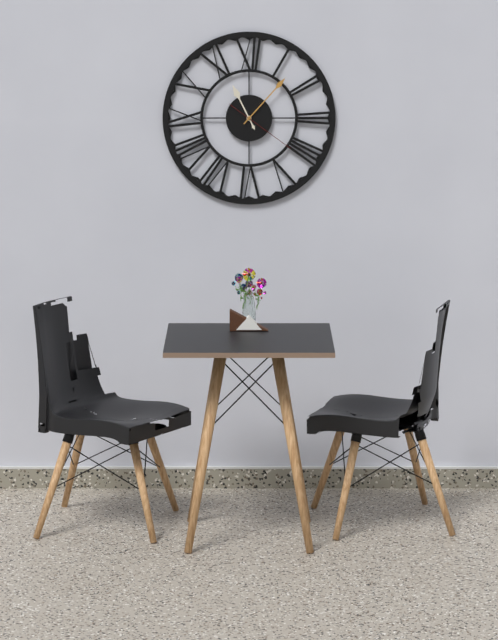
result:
{"hour": 11, "minute": 7, "second": 21}
